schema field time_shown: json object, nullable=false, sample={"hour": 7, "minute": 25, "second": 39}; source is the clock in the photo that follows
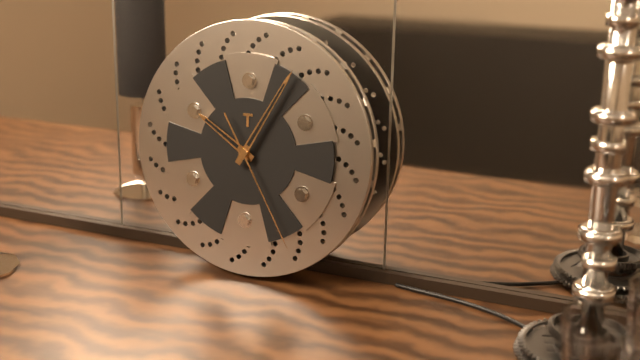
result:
{"hour": 10, "minute": 5, "second": 25}
